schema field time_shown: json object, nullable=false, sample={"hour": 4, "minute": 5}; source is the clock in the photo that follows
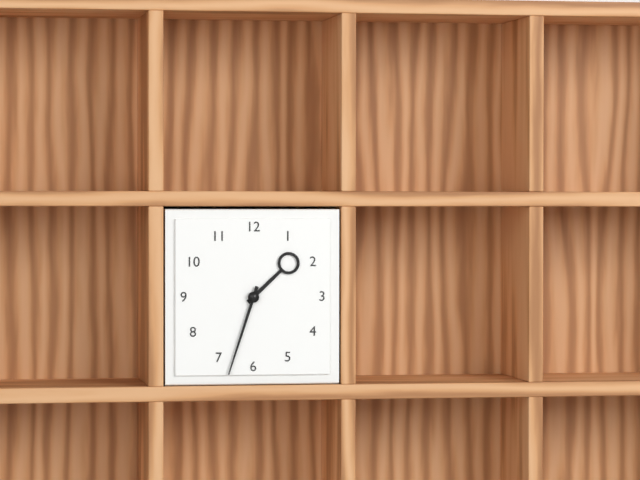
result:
{"hour": 1, "minute": 33}
